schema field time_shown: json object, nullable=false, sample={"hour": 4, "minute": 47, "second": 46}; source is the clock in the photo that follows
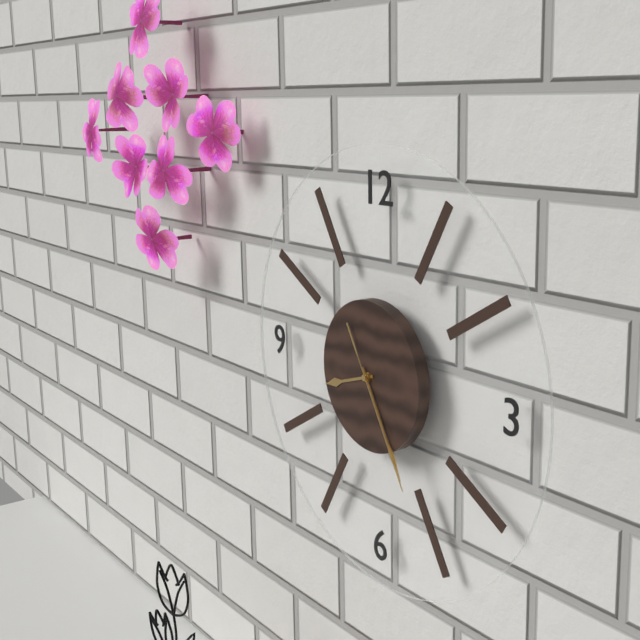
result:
{"hour": 8, "minute": 25, "second": 25}
